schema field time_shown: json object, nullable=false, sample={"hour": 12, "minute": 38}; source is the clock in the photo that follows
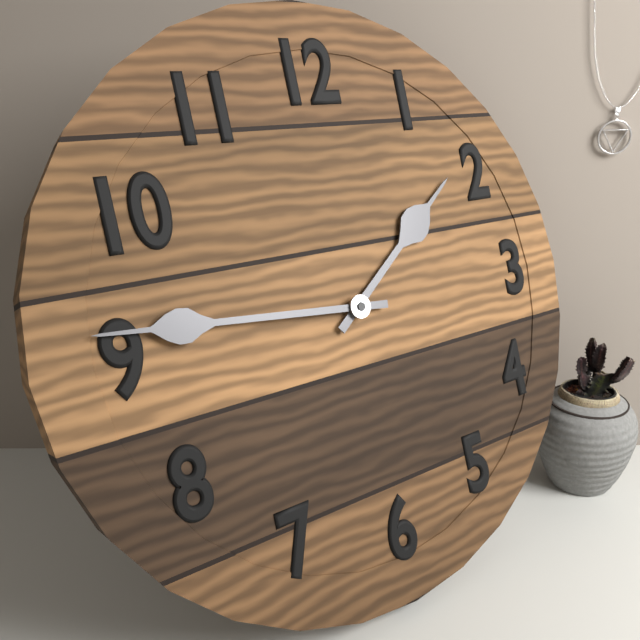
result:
{"hour": 1, "minute": 46}
